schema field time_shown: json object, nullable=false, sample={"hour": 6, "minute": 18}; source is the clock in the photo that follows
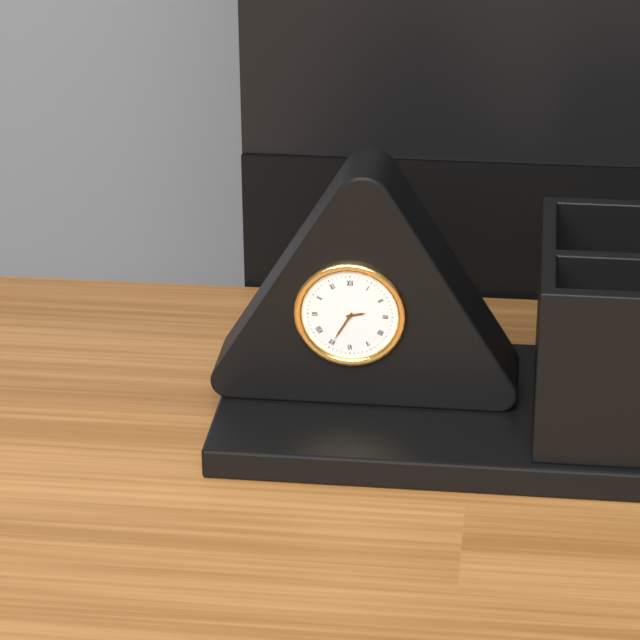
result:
{"hour": 2, "minute": 35}
